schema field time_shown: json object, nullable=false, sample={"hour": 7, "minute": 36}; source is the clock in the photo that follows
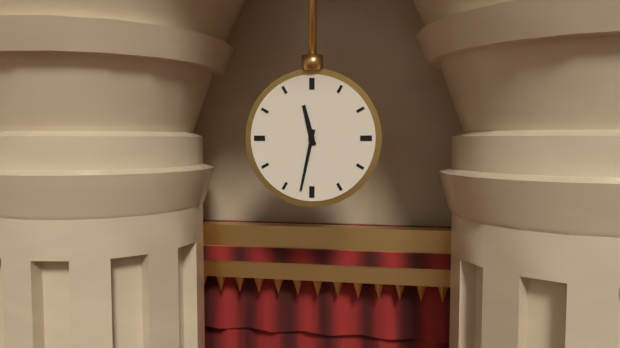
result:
{"hour": 11, "minute": 32}
